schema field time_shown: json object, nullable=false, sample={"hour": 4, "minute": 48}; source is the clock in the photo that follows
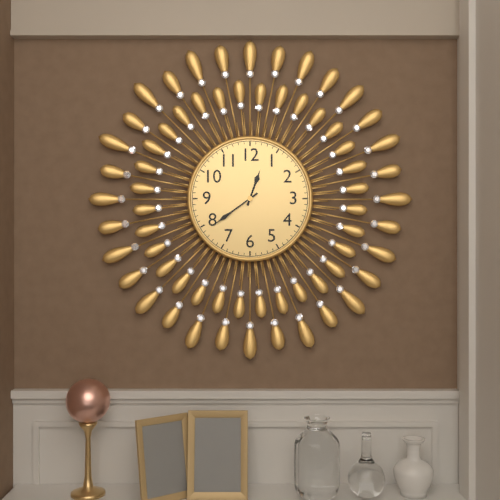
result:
{"hour": 12, "minute": 39}
